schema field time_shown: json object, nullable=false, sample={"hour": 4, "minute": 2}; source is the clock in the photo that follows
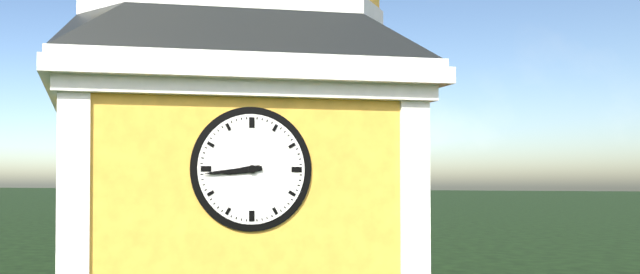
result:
{"hour": 8, "minute": 44}
